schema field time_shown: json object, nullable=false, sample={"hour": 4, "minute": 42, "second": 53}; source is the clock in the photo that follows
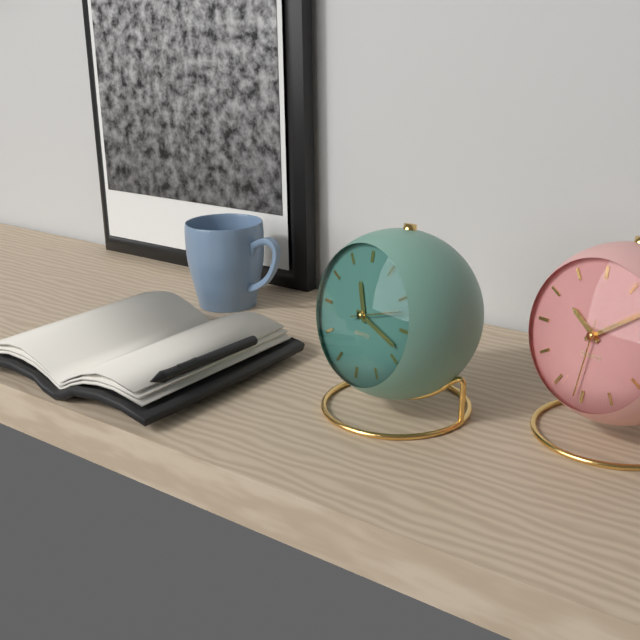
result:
{"hour": 11, "minute": 18, "second": 12}
